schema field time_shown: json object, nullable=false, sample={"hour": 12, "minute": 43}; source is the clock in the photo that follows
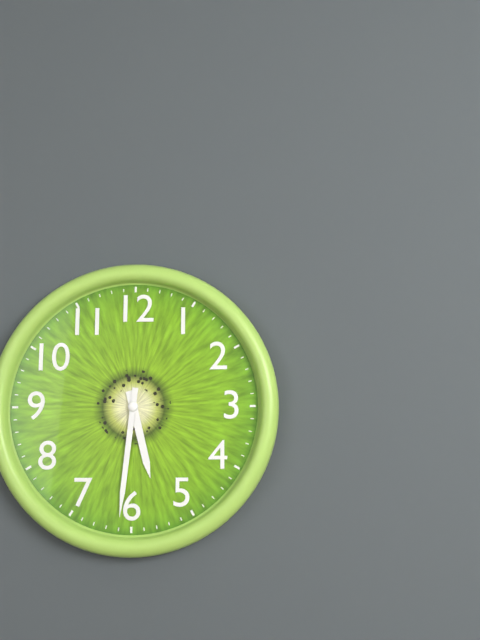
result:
{"hour": 5, "minute": 31}
